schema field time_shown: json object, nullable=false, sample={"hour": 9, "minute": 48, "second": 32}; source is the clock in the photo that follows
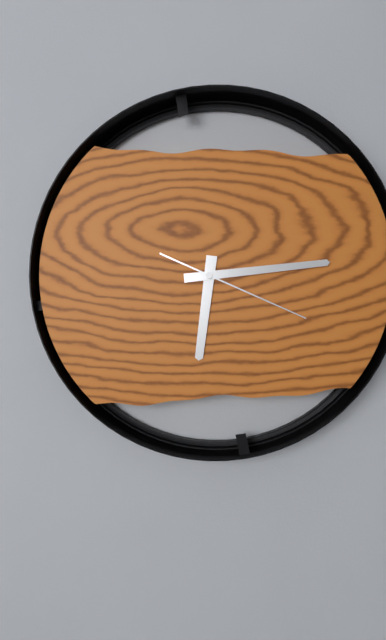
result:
{"hour": 6, "minute": 14, "second": 19}
